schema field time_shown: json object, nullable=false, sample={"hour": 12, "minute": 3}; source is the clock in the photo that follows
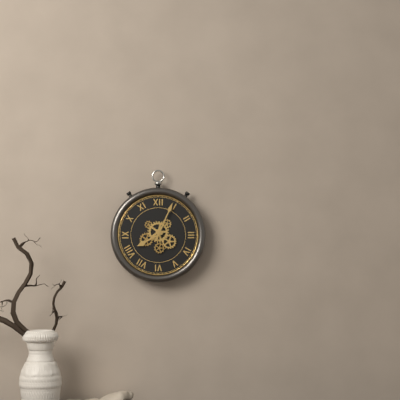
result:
{"hour": 8, "minute": 4}
